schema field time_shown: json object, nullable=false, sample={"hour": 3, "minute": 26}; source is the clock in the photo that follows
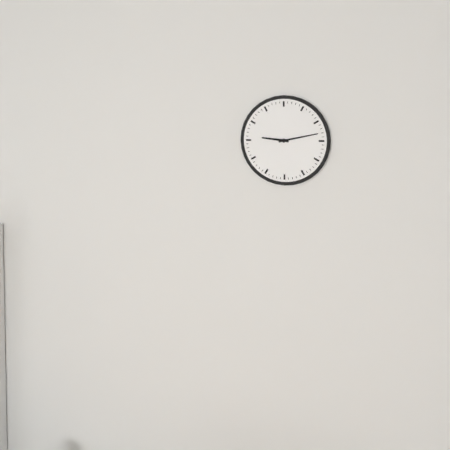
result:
{"hour": 9, "minute": 13}
